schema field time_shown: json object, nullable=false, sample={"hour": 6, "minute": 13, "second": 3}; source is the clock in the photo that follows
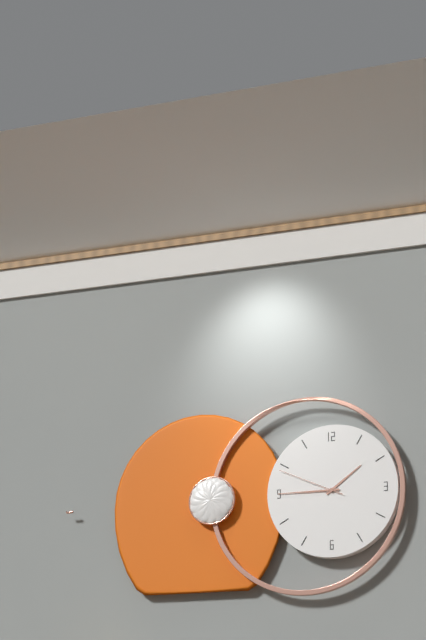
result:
{"hour": 1, "minute": 45, "second": 49}
